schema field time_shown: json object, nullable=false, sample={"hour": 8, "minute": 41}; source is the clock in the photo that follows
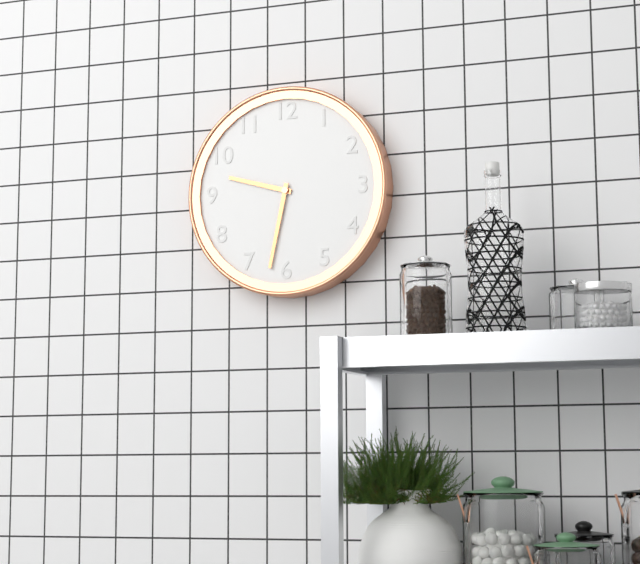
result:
{"hour": 9, "minute": 32}
